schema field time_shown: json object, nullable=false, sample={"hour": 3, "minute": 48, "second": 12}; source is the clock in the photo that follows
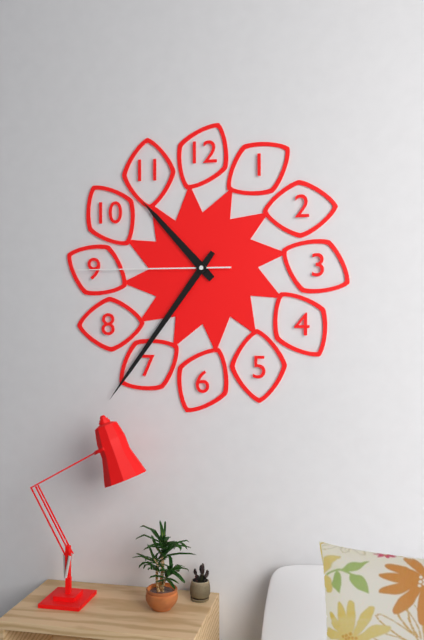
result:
{"hour": 10, "minute": 36, "second": 45}
